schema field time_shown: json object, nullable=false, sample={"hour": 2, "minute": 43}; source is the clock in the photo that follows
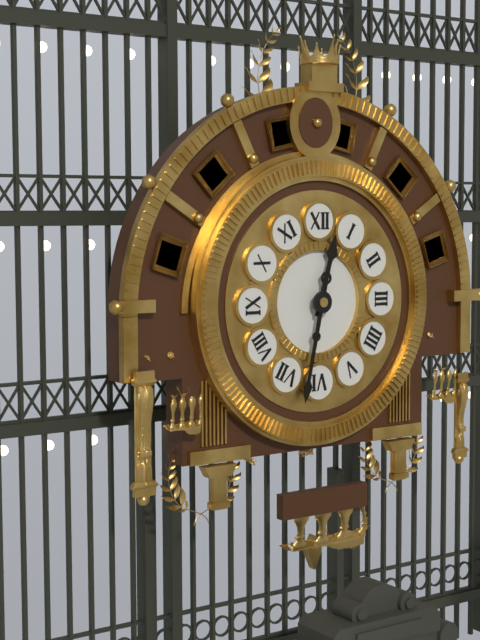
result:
{"hour": 12, "minute": 32}
